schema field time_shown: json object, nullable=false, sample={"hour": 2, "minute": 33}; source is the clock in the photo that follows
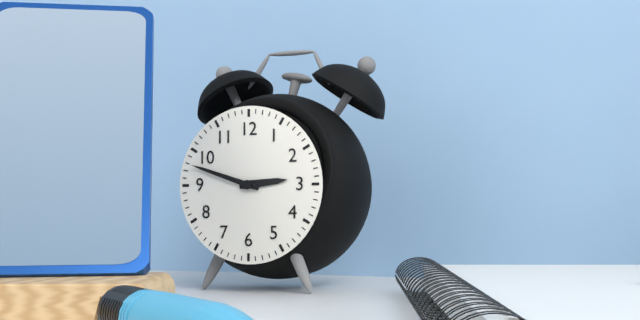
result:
{"hour": 2, "minute": 48}
